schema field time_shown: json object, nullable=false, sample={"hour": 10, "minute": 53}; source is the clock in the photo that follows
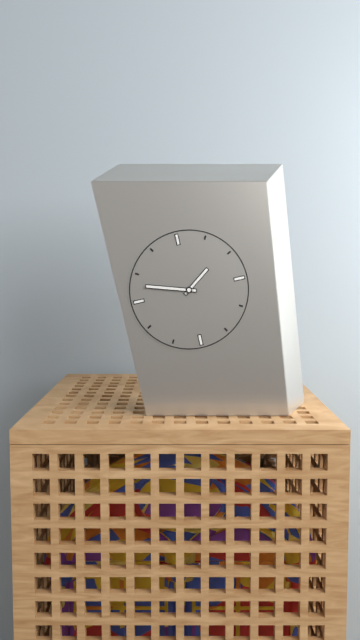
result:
{"hour": 1, "minute": 48}
